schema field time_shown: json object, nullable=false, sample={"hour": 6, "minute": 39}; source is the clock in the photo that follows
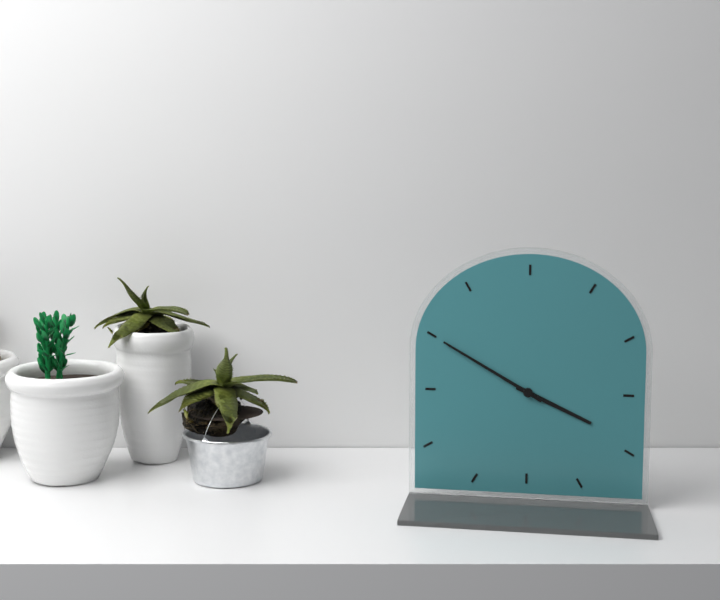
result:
{"hour": 3, "minute": 50}
